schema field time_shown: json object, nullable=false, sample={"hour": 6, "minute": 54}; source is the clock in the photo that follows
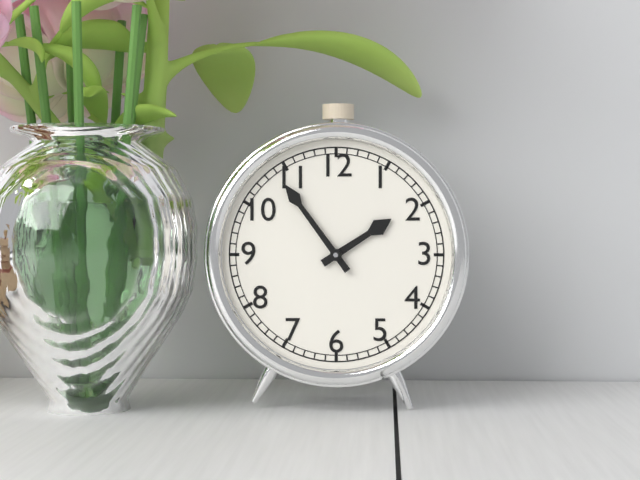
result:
{"hour": 1, "minute": 54}
